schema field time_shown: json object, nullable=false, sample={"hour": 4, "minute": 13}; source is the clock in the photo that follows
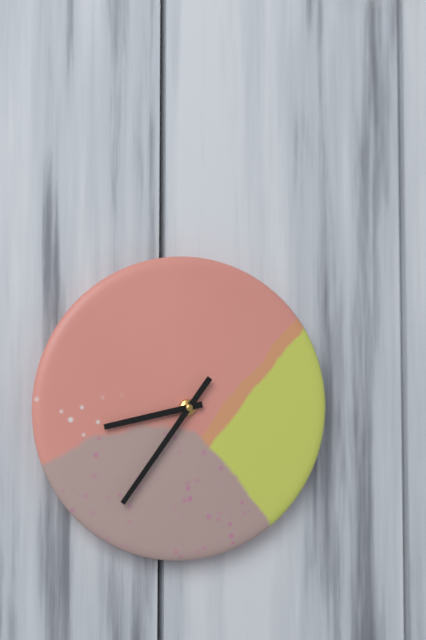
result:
{"hour": 8, "minute": 36}
